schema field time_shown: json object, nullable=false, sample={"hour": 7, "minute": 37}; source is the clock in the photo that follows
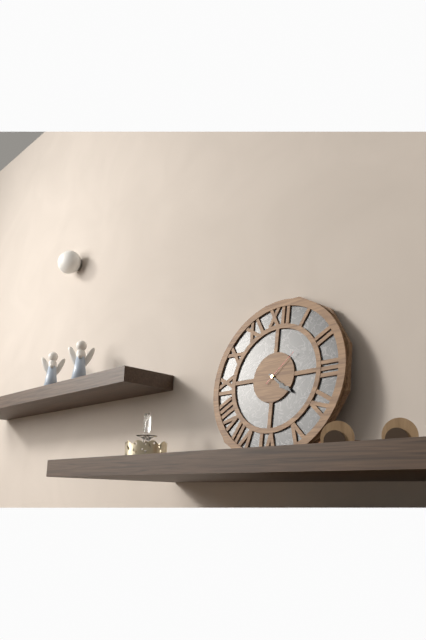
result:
{"hour": 4, "minute": 21}
